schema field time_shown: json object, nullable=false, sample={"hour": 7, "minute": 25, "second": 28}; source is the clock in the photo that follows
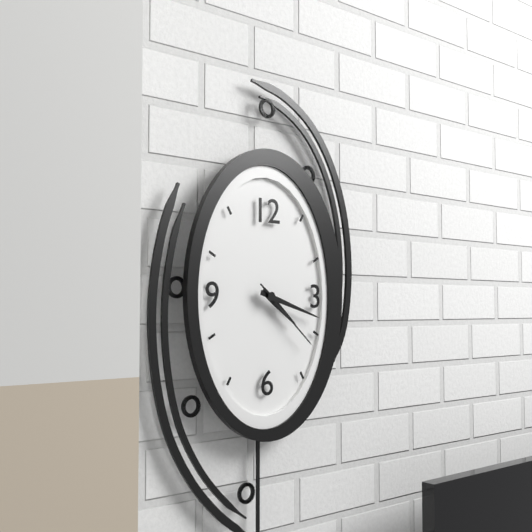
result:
{"hour": 4, "minute": 18, "second": 22}
